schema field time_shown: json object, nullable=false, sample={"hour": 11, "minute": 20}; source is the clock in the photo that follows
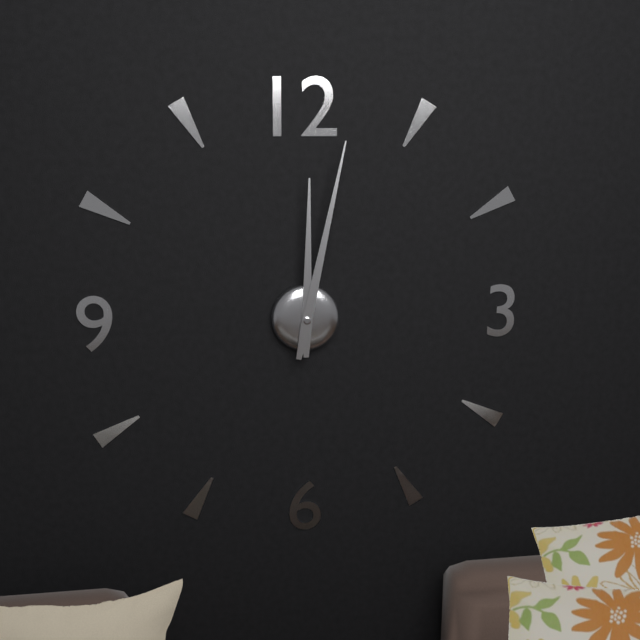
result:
{"hour": 12, "minute": 2}
